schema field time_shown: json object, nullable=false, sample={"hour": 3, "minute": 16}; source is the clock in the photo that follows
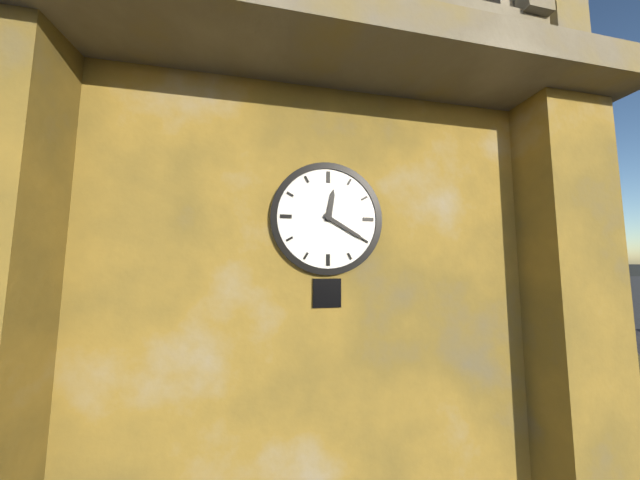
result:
{"hour": 12, "minute": 20}
